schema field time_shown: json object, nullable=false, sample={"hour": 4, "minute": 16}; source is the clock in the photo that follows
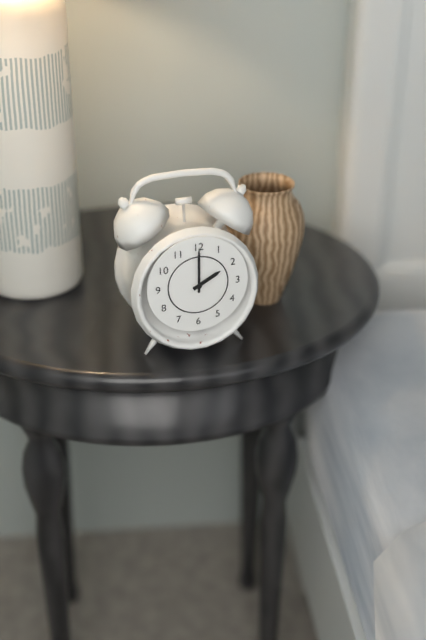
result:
{"hour": 2, "minute": 0}
